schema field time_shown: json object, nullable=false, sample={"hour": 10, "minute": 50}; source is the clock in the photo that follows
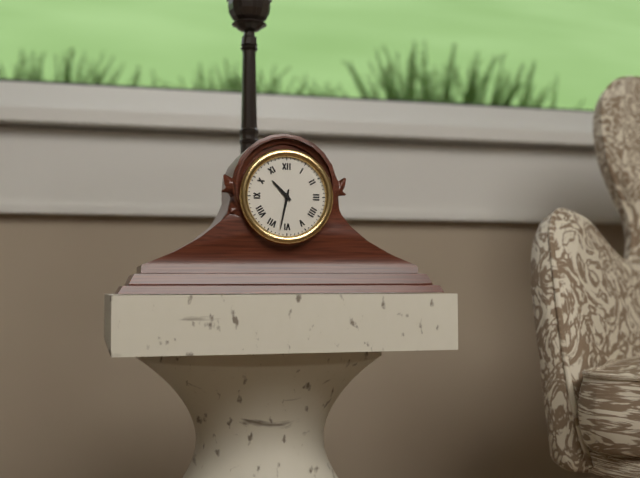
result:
{"hour": 10, "minute": 32}
